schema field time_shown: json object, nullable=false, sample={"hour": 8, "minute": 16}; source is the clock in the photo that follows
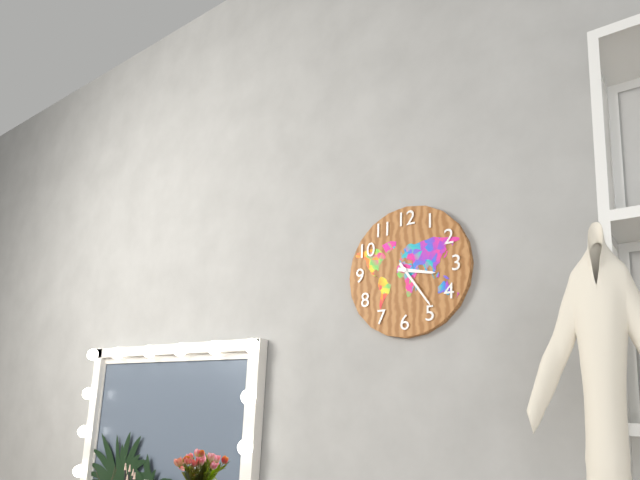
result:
{"hour": 3, "minute": 24}
